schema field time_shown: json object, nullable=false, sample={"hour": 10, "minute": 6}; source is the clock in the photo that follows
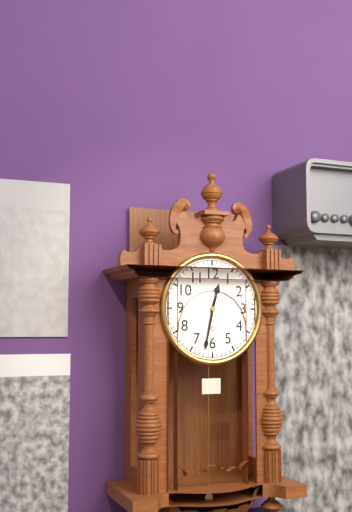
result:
{"hour": 12, "minute": 32}
